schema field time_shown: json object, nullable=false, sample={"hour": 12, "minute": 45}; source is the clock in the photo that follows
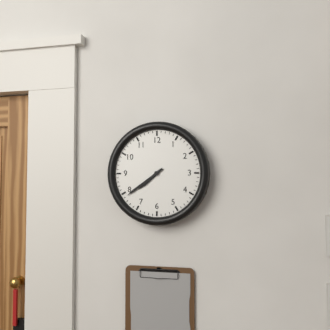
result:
{"hour": 7, "minute": 39}
